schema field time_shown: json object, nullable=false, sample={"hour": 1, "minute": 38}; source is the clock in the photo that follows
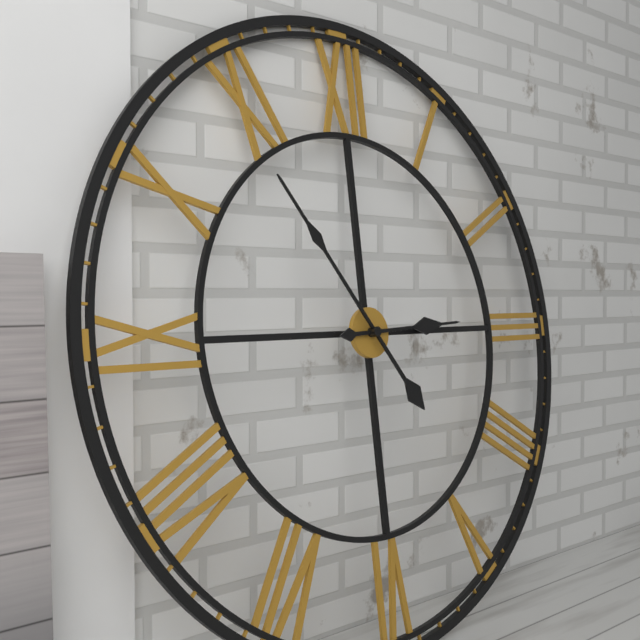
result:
{"hour": 2, "minute": 54}
